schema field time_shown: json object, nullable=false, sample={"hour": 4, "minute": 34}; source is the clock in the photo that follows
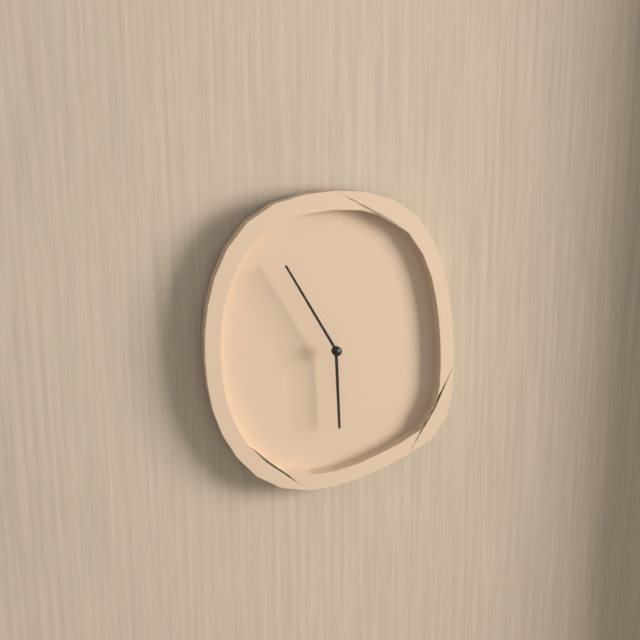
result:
{"hour": 5, "minute": 55}
